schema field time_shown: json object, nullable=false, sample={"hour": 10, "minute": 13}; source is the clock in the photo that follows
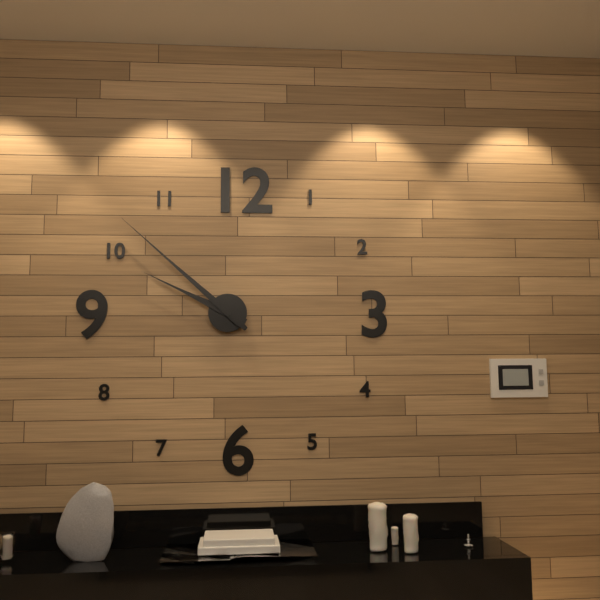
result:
{"hour": 9, "minute": 52}
